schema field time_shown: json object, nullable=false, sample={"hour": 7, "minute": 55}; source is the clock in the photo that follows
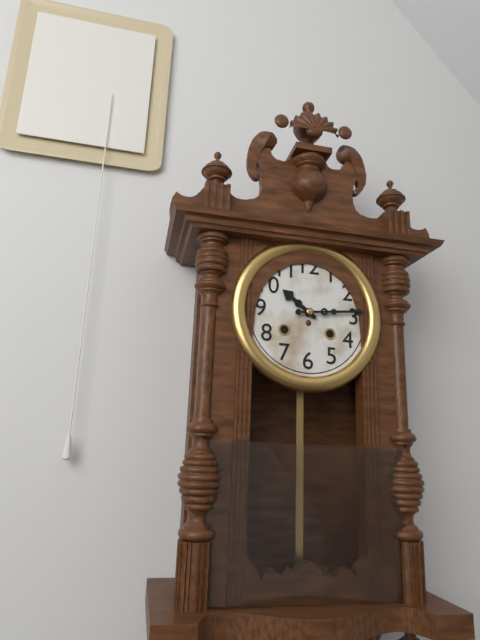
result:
{"hour": 10, "minute": 14}
